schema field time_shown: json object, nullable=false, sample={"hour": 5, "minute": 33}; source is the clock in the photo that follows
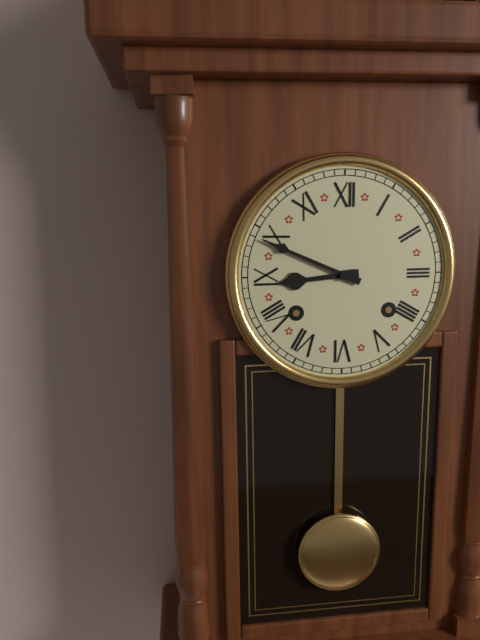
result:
{"hour": 8, "minute": 49}
